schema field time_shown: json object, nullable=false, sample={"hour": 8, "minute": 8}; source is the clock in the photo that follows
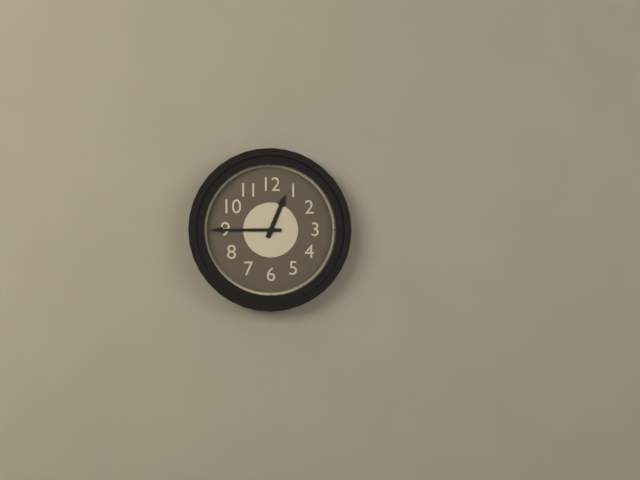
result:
{"hour": 12, "minute": 45}
